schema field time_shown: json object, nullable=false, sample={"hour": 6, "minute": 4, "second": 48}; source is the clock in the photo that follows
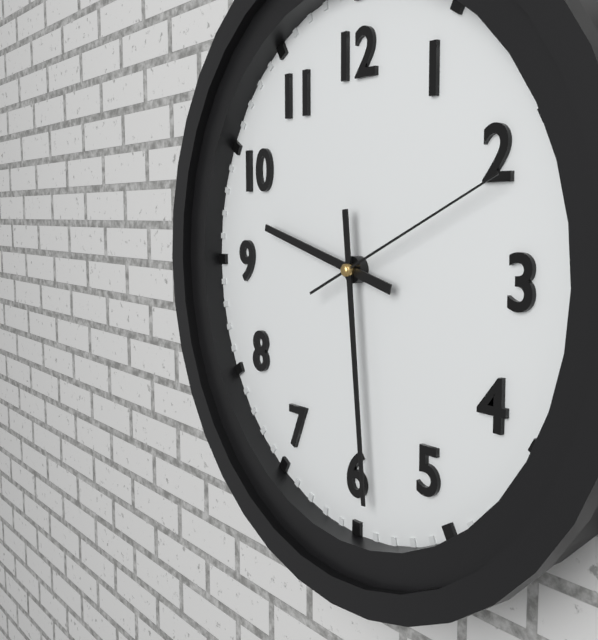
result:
{"hour": 9, "minute": 29, "second": 11}
